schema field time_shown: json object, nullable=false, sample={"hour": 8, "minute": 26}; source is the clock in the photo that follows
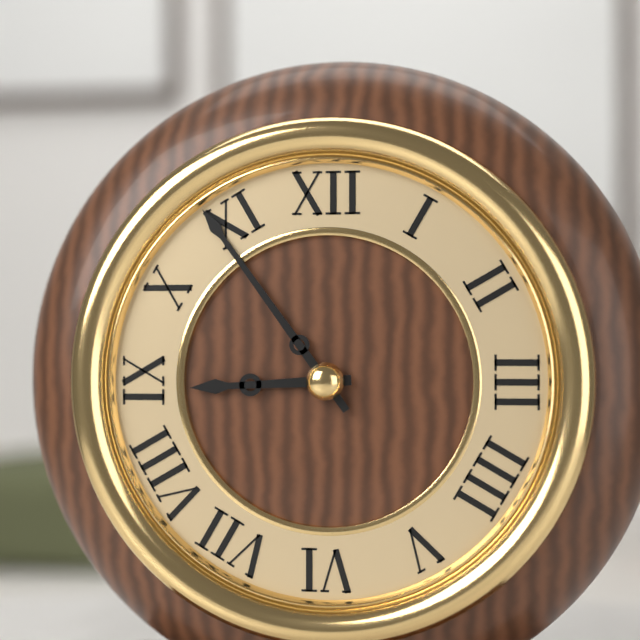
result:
{"hour": 8, "minute": 54}
